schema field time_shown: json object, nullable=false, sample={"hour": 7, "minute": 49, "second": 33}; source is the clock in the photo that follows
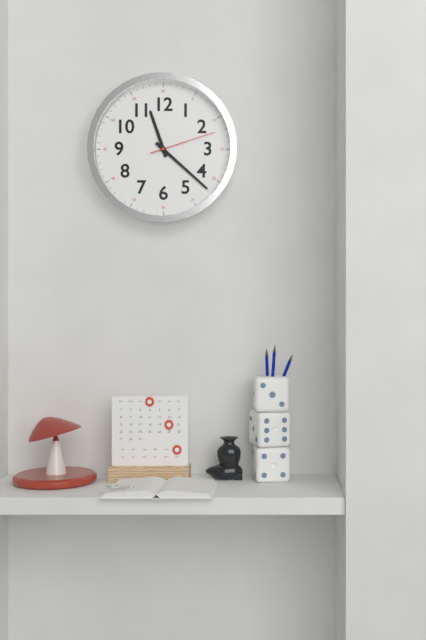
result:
{"hour": 11, "minute": 22, "second": 12}
